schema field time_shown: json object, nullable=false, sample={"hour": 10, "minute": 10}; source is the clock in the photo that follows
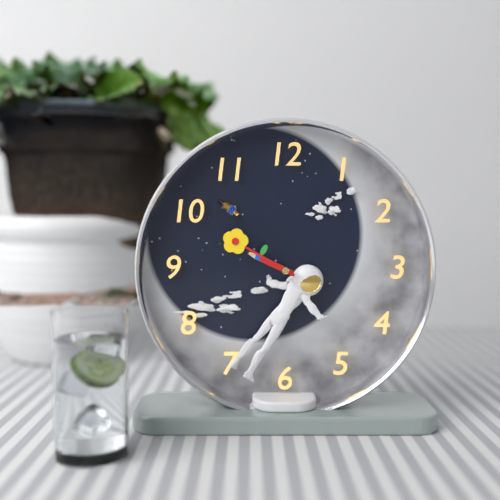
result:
{"hour": 9, "minute": 50}
